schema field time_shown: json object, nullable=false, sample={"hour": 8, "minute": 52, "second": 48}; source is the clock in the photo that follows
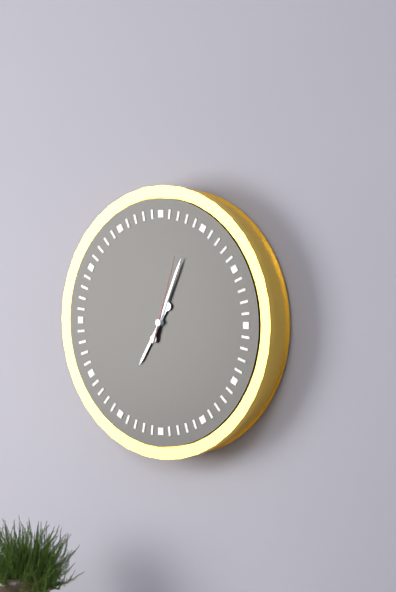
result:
{"hour": 7, "minute": 4, "second": 3}
